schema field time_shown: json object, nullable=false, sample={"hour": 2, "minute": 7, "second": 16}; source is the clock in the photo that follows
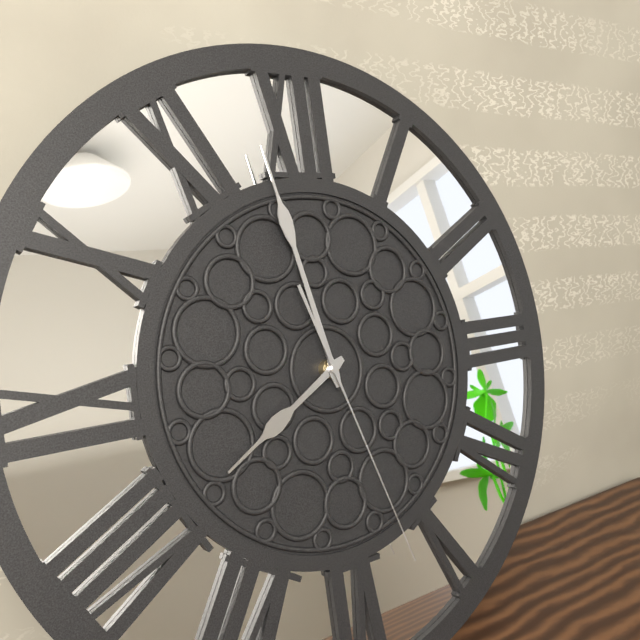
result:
{"hour": 7, "minute": 58, "second": 27}
